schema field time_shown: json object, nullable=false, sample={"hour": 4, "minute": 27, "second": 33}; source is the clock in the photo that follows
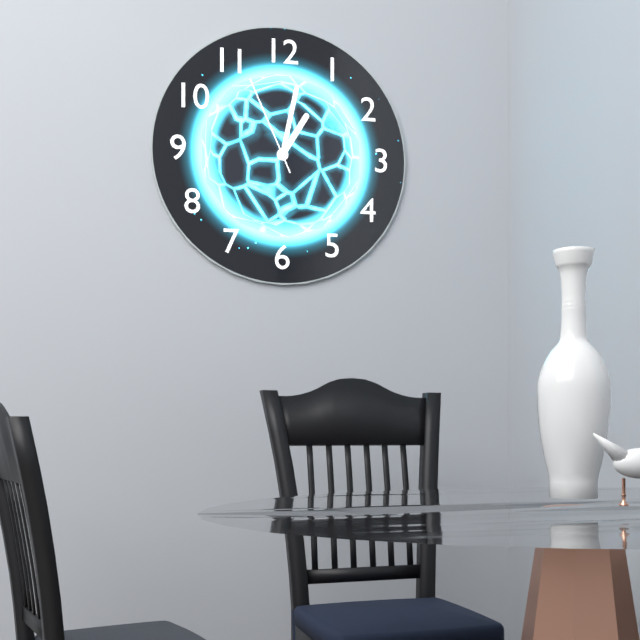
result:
{"hour": 1, "minute": 2, "second": 56}
